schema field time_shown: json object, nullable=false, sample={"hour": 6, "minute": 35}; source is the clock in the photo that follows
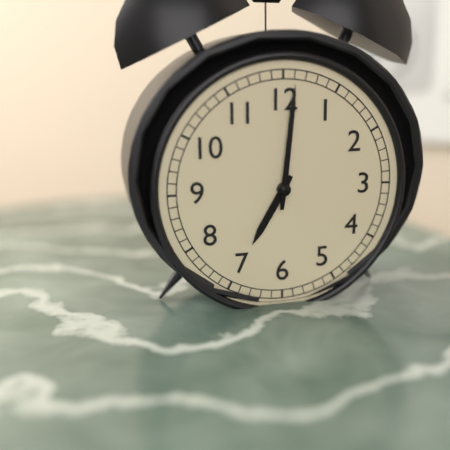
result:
{"hour": 7, "minute": 1}
